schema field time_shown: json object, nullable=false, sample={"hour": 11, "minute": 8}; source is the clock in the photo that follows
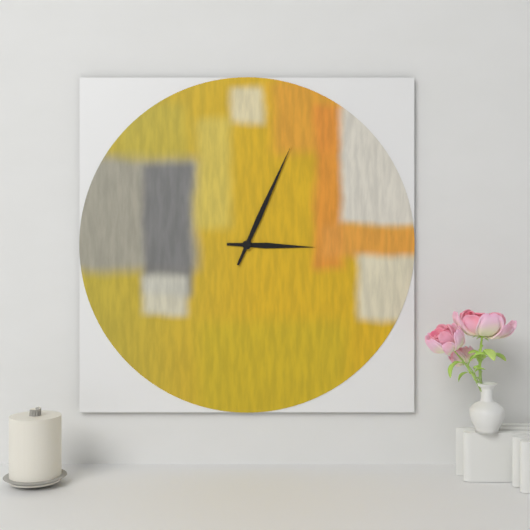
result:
{"hour": 3, "minute": 4}
